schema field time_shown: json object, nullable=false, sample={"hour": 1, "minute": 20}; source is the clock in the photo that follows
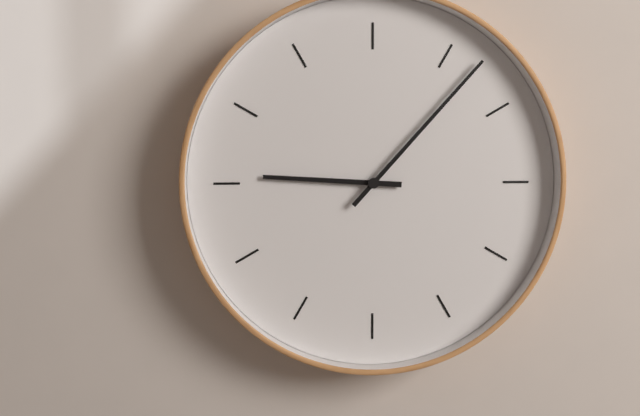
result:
{"hour": 9, "minute": 7}
